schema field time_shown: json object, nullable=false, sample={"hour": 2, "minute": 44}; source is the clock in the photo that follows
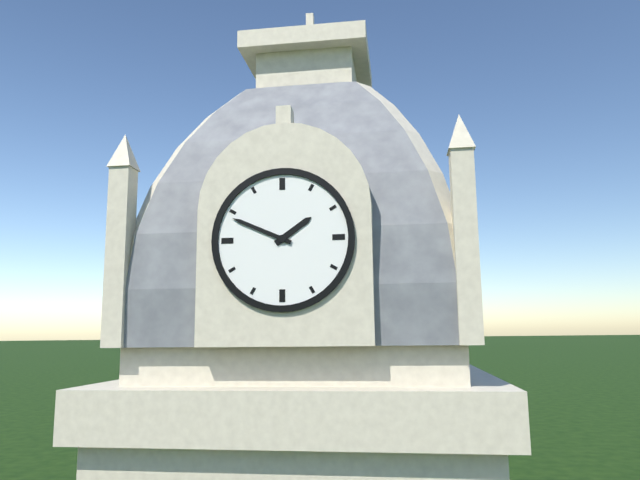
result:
{"hour": 1, "minute": 49}
